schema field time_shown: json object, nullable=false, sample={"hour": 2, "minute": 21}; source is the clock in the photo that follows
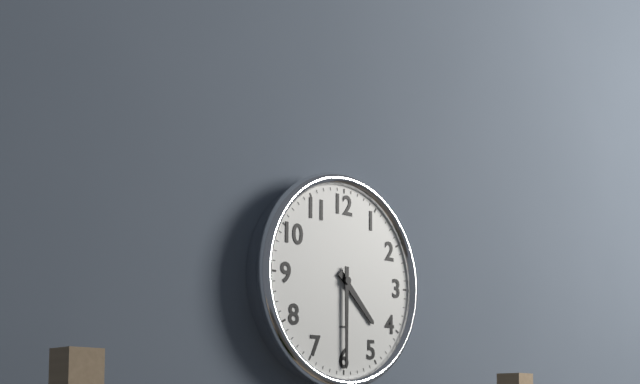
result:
{"hour": 4, "minute": 30}
